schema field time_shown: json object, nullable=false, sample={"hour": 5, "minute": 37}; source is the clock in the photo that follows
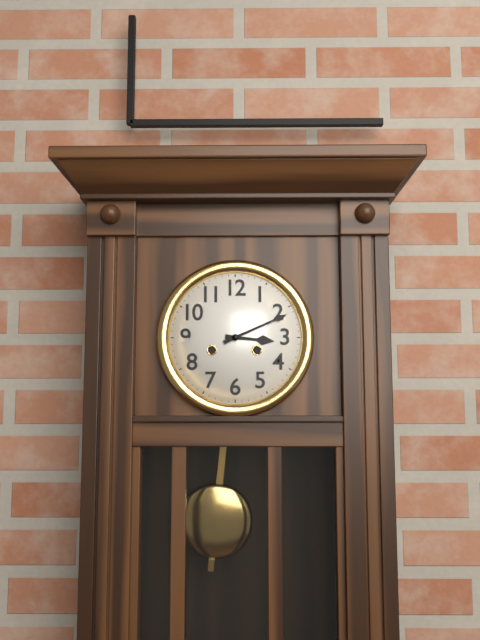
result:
{"hour": 3, "minute": 11}
